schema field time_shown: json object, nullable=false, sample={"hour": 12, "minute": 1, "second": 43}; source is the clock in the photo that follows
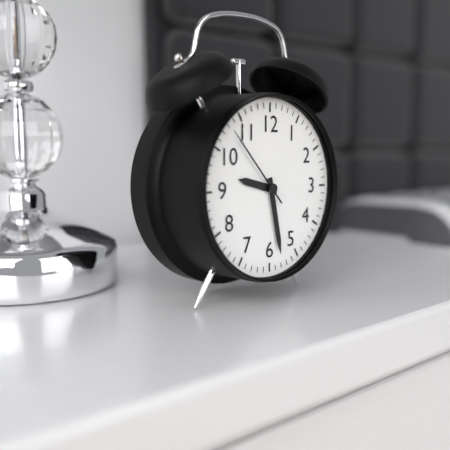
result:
{"hour": 9, "minute": 28, "second": 53}
